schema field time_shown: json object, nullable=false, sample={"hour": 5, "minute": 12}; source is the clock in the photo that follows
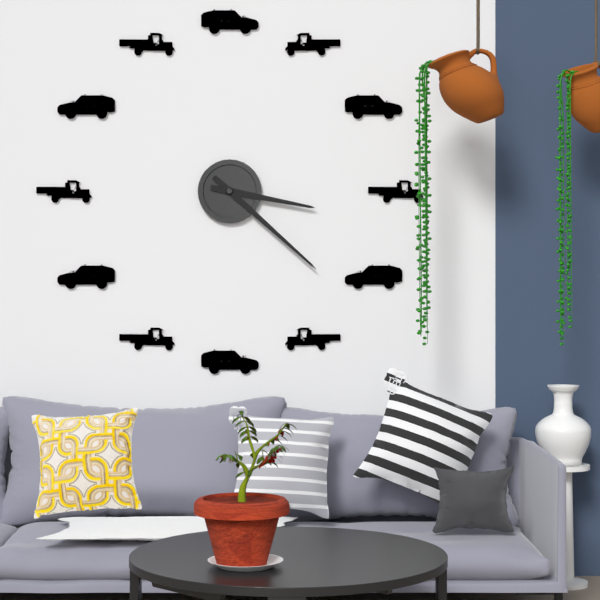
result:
{"hour": 3, "minute": 22}
